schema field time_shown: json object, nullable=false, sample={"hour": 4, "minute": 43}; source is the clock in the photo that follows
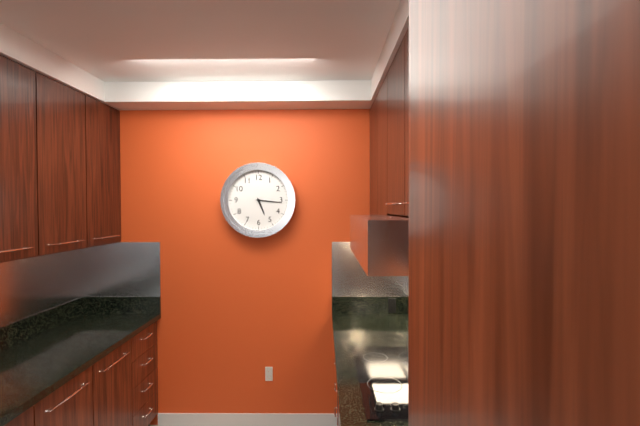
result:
{"hour": 5, "minute": 16}
